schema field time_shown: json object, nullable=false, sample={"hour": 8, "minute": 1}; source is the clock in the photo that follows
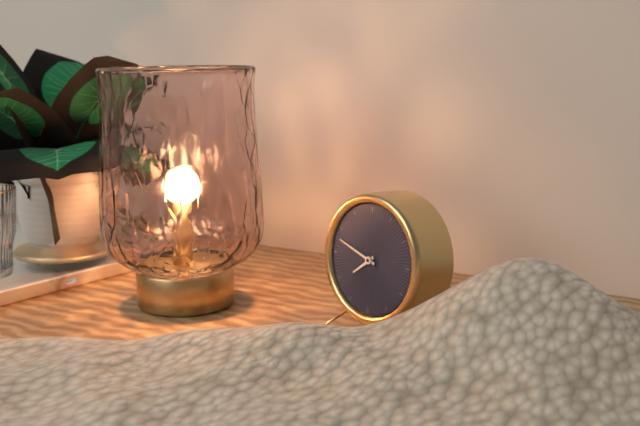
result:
{"hour": 7, "minute": 48}
